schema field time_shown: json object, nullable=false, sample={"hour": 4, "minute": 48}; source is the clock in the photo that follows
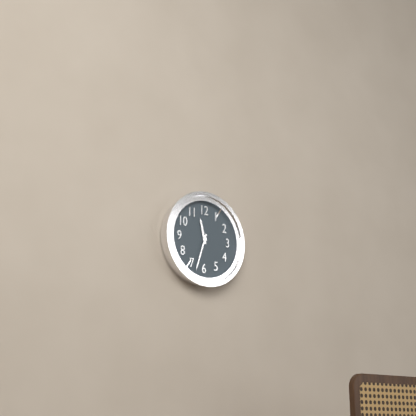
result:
{"hour": 11, "minute": 33}
